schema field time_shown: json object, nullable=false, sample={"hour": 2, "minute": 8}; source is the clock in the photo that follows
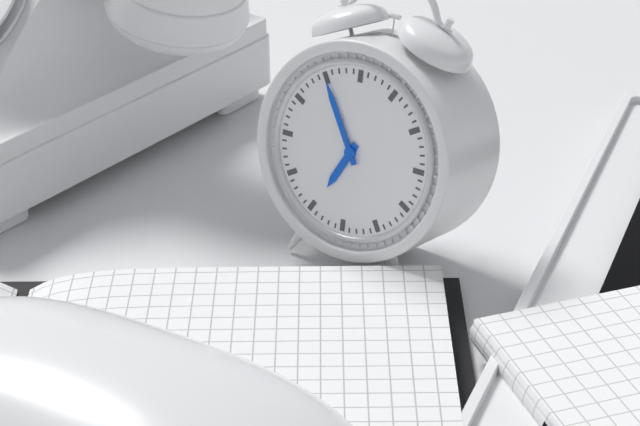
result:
{"hour": 6, "minute": 55}
